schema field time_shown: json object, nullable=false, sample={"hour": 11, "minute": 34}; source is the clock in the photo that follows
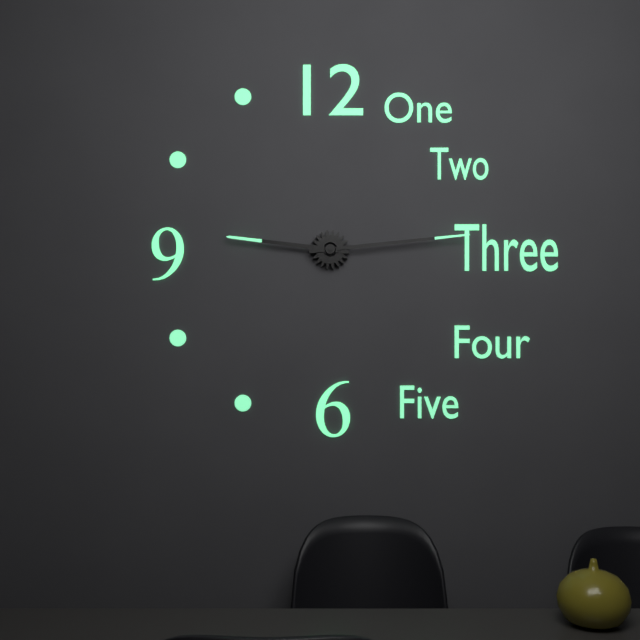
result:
{"hour": 9, "minute": 14}
